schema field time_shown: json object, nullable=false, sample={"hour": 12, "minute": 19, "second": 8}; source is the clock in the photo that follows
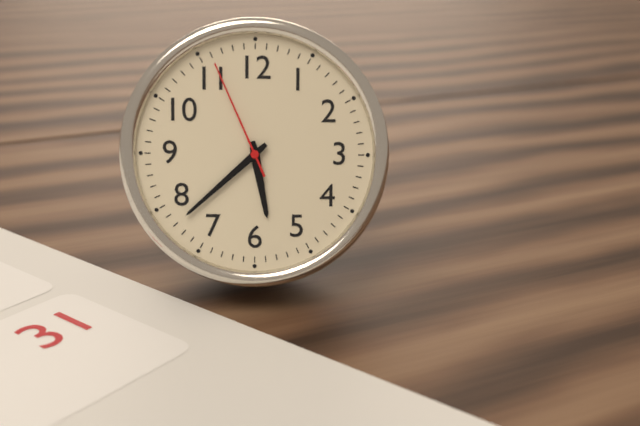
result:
{"hour": 5, "minute": 38, "second": 56}
